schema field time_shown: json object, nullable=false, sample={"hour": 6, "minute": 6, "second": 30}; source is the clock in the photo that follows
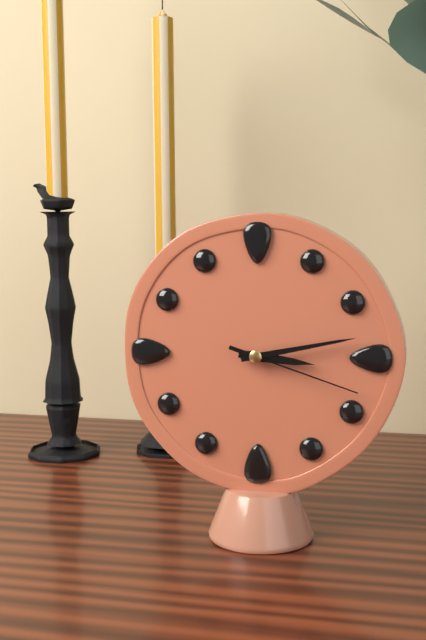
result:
{"hour": 3, "minute": 13, "second": 18}
